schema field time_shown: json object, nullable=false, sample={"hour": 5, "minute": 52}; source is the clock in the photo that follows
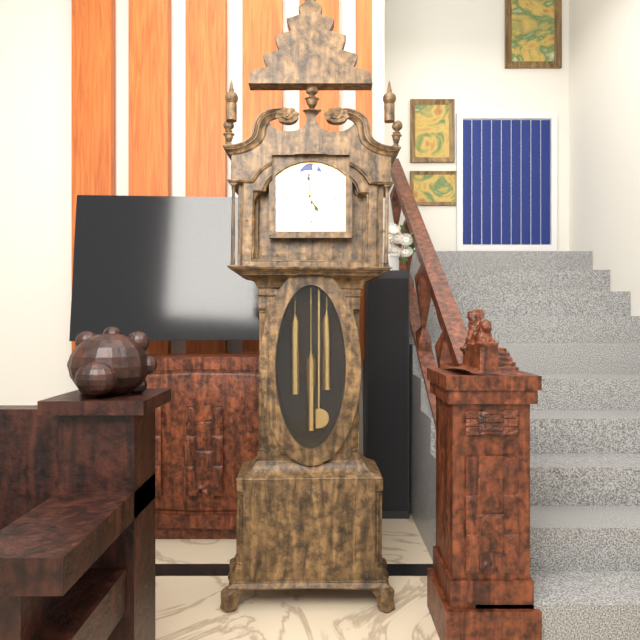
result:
{"hour": 4, "minute": 59}
